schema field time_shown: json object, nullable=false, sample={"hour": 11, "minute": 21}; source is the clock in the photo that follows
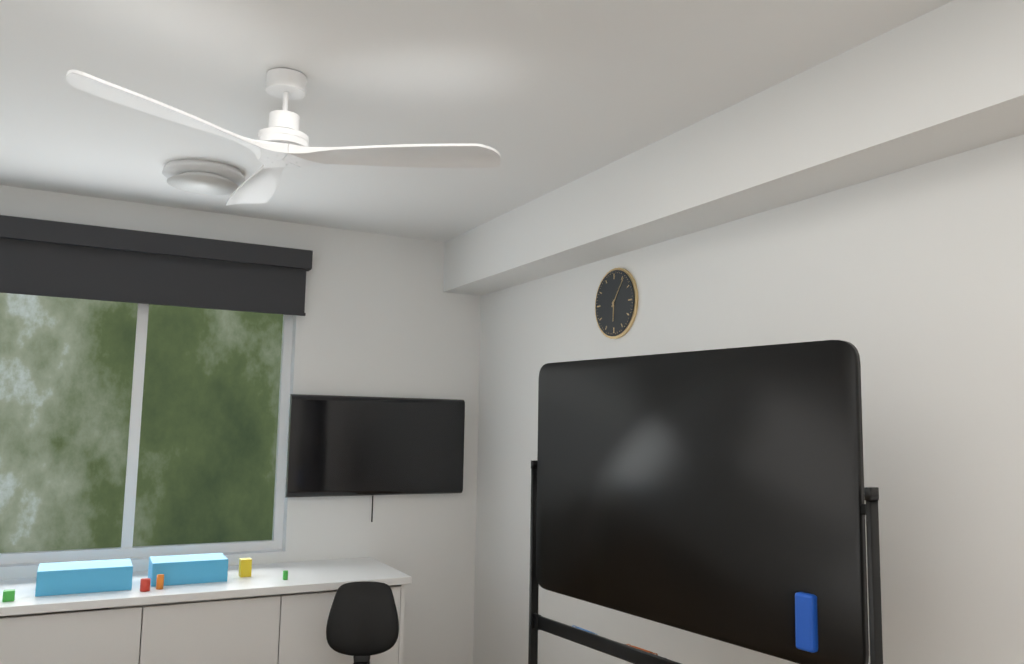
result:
{"hour": 6, "minute": 6}
